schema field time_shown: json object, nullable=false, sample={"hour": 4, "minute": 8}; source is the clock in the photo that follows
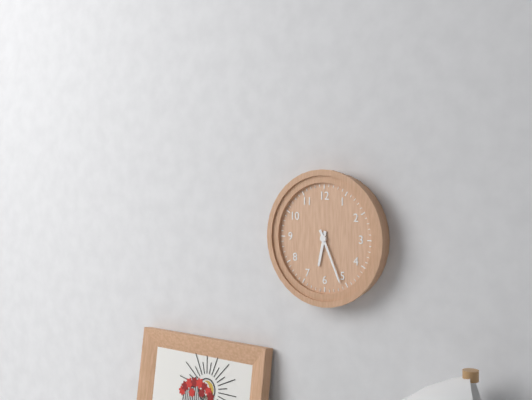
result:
{"hour": 6, "minute": 26}
